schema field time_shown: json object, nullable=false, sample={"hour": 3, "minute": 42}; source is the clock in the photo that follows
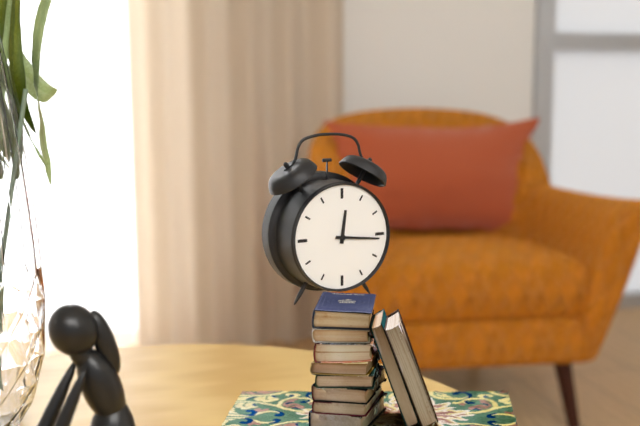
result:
{"hour": 12, "minute": 16}
